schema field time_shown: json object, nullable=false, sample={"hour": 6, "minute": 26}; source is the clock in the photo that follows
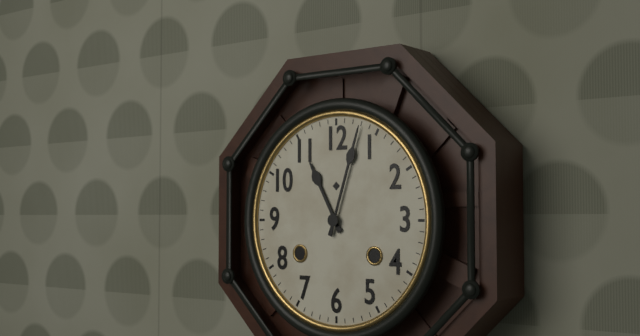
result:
{"hour": 11, "minute": 3}
